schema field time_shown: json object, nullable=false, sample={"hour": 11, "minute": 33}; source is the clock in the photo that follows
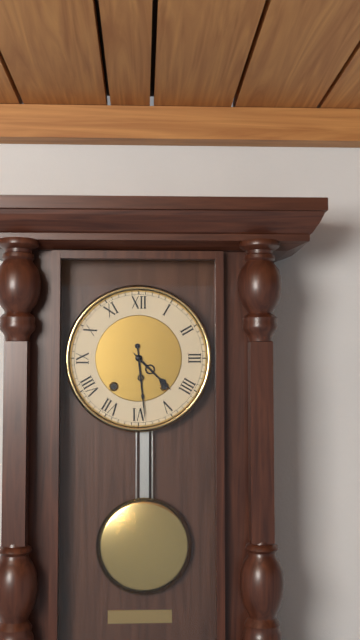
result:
{"hour": 4, "minute": 29}
